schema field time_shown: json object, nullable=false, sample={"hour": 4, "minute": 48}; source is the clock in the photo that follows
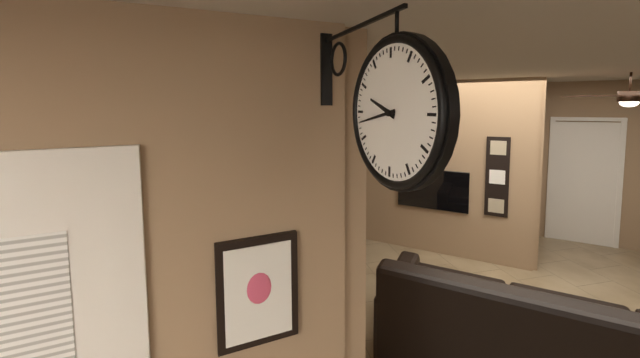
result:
{"hour": 9, "minute": 43}
